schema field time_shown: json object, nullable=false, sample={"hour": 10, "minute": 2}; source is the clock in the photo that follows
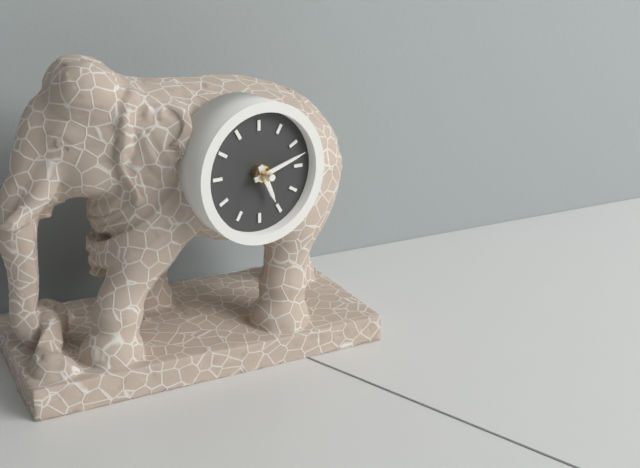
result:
{"hour": 5, "minute": 12}
